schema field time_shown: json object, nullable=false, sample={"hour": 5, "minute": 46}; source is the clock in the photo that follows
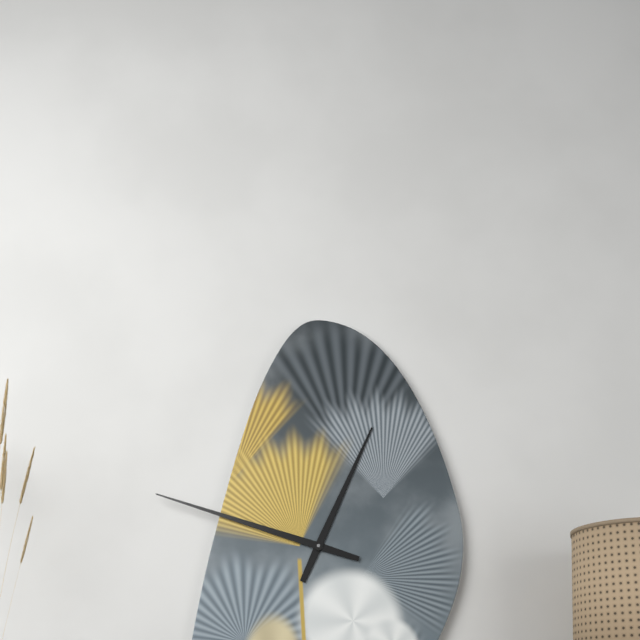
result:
{"hour": 12, "minute": 48}
